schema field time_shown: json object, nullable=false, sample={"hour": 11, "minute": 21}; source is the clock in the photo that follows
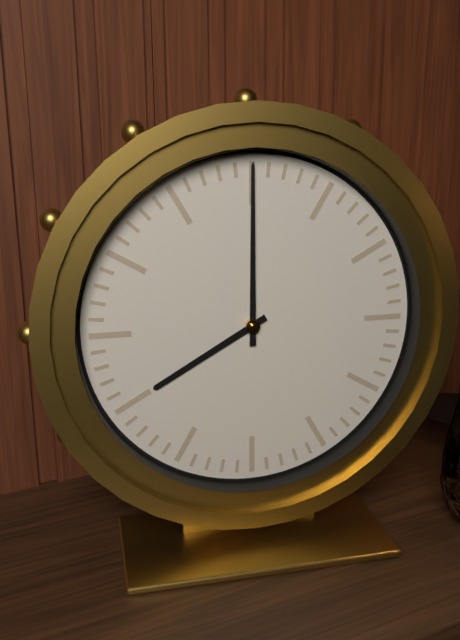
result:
{"hour": 8, "minute": 0}
